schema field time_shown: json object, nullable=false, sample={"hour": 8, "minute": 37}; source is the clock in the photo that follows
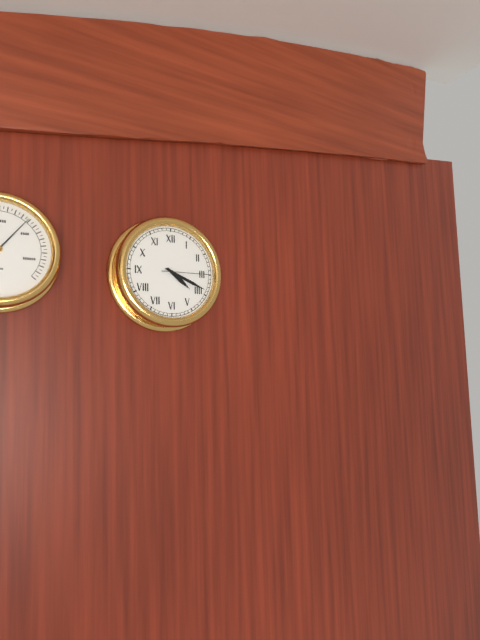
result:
{"hour": 4, "minute": 19}
